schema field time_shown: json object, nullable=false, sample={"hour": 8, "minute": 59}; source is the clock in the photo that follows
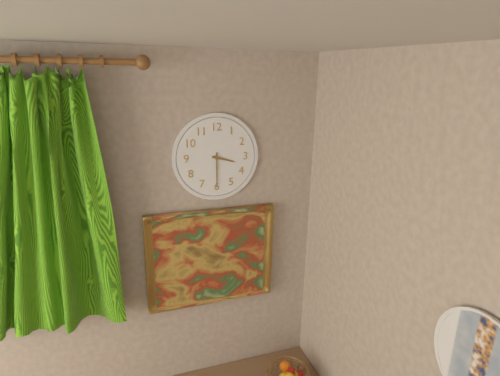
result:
{"hour": 3, "minute": 30}
